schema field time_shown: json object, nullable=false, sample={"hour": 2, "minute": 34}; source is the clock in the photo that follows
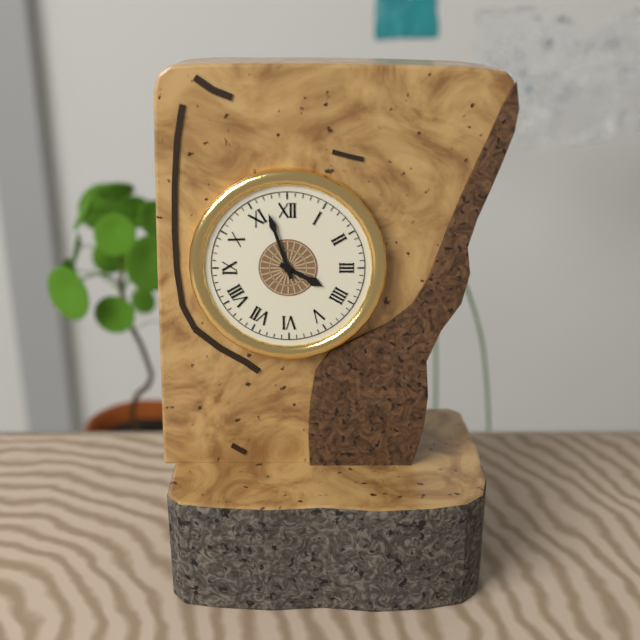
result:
{"hour": 3, "minute": 57}
